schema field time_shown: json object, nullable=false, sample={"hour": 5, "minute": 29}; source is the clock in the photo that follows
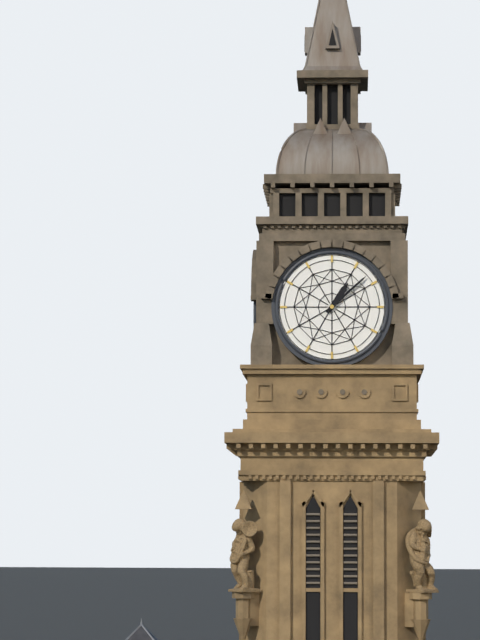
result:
{"hour": 1, "minute": 8}
